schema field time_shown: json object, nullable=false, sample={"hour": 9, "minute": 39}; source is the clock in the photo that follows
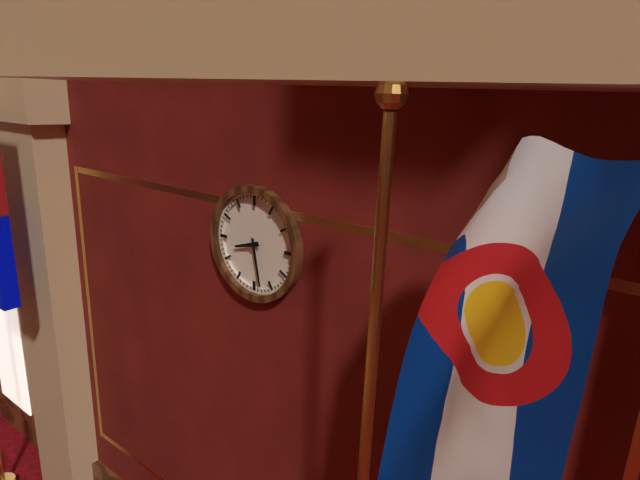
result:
{"hour": 8, "minute": 28}
